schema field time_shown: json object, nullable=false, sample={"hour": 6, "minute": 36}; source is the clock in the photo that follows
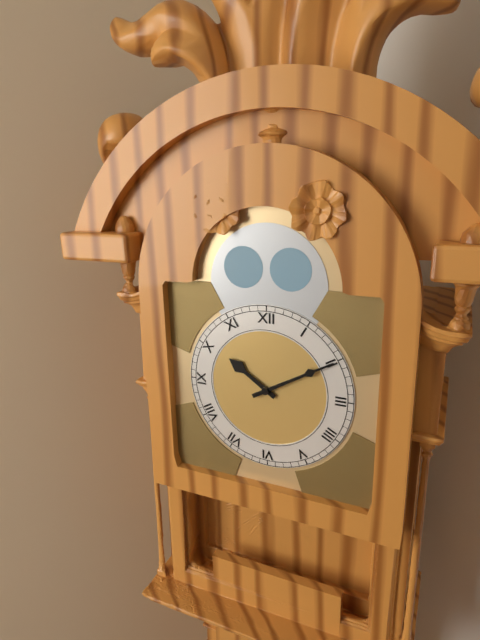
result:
{"hour": 10, "minute": 10}
